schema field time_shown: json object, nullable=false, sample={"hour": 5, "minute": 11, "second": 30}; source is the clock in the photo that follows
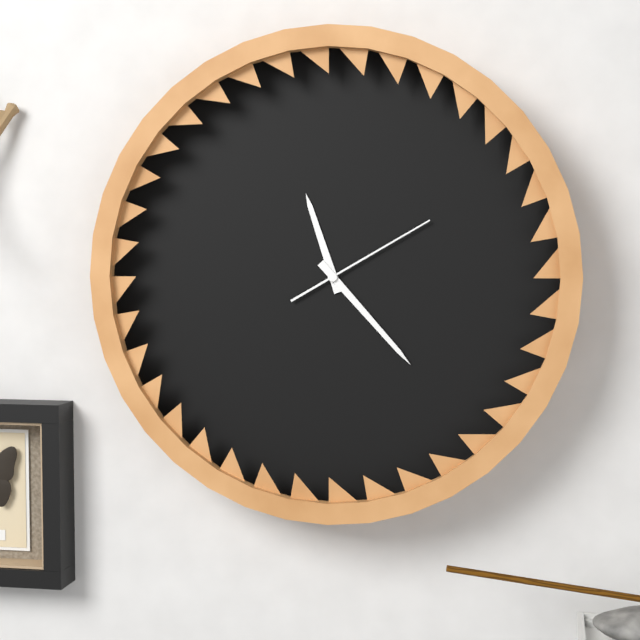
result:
{"hour": 11, "minute": 23, "second": 10}
